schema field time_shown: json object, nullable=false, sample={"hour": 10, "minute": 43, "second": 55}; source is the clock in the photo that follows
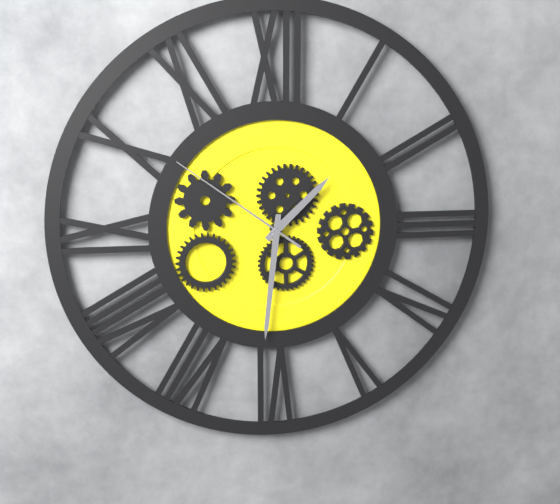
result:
{"hour": 1, "minute": 31, "second": 51}
